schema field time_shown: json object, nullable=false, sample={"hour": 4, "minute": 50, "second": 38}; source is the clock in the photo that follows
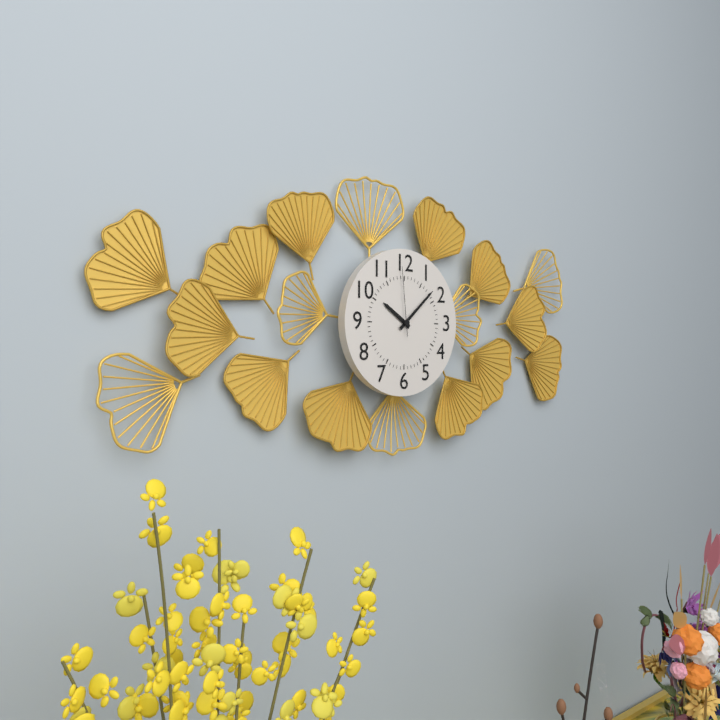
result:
{"hour": 10, "minute": 8, "second": 59}
